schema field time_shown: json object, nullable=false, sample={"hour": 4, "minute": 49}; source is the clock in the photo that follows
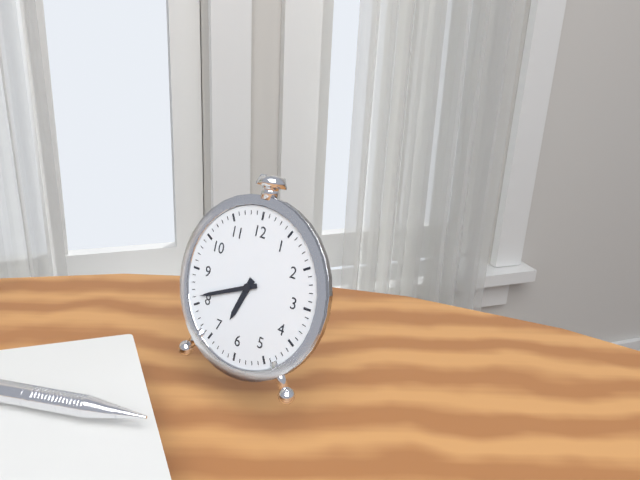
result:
{"hour": 6, "minute": 41}
